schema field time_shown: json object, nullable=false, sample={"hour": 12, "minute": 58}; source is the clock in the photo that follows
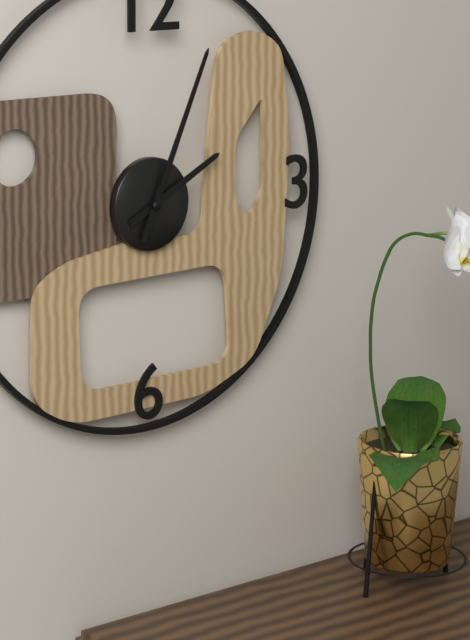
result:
{"hour": 2, "minute": 4}
